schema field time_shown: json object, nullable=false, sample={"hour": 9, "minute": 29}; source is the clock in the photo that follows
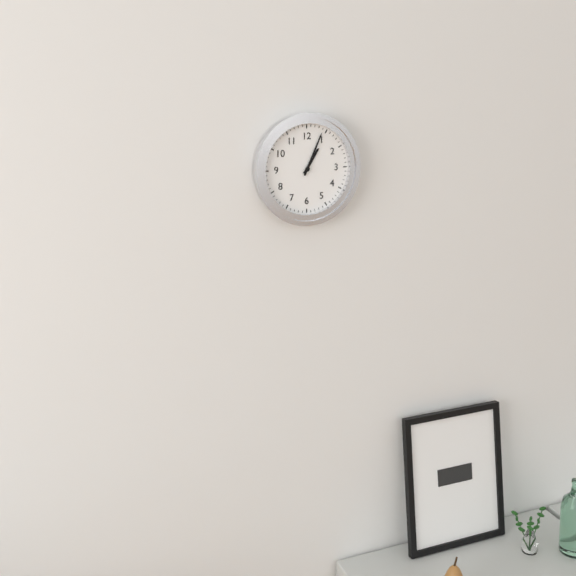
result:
{"hour": 1, "minute": 4}
